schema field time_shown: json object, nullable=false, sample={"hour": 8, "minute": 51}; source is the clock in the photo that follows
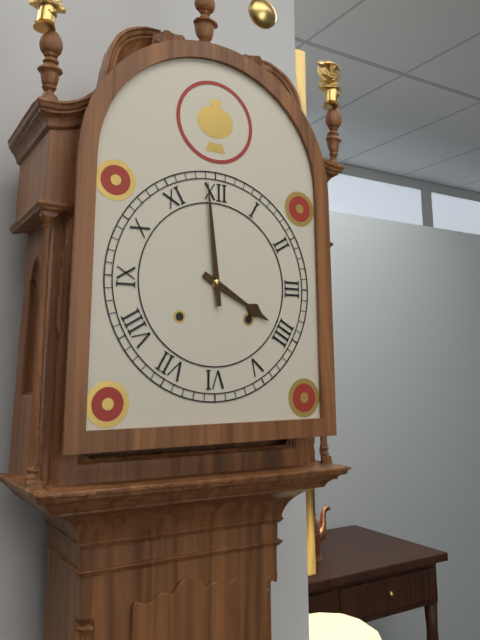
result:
{"hour": 3, "minute": 59}
